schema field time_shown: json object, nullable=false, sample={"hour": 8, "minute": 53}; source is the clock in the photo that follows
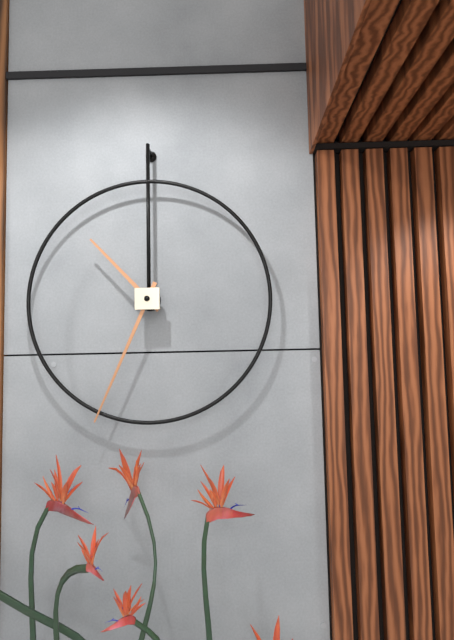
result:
{"hour": 10, "minute": 34}
